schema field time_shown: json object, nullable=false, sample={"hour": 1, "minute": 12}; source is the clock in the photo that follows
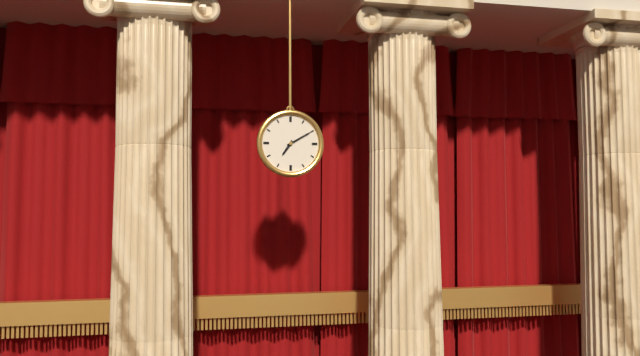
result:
{"hour": 7, "minute": 10}
